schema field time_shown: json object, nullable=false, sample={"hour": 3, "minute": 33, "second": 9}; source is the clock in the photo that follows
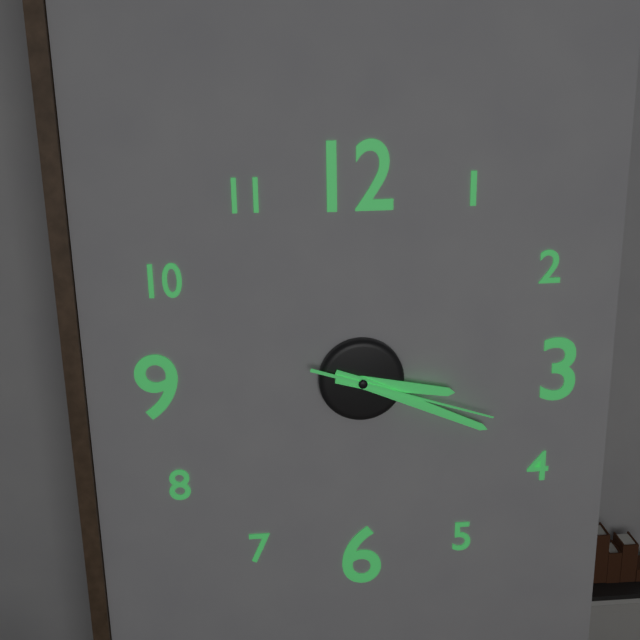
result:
{"hour": 3, "minute": 19, "second": 18}
